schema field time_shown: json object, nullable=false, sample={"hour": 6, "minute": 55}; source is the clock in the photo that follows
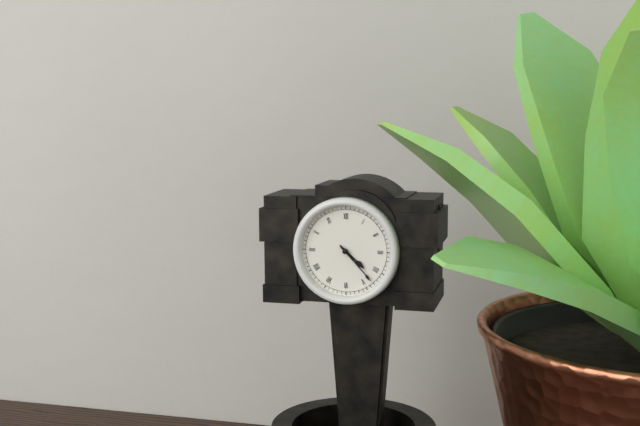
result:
{"hour": 4, "minute": 23}
